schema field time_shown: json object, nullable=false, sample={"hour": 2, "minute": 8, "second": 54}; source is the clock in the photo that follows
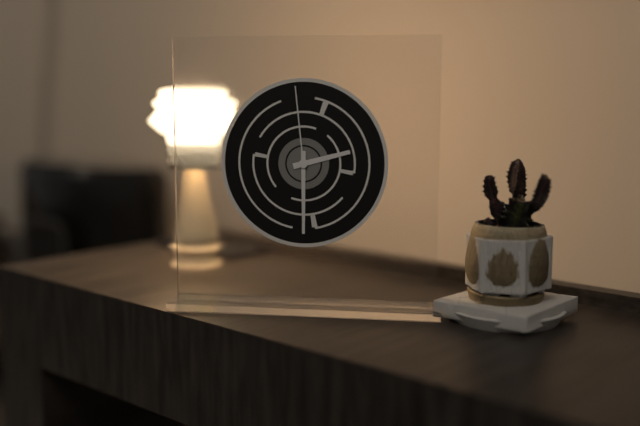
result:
{"hour": 2, "minute": 30, "second": 59}
